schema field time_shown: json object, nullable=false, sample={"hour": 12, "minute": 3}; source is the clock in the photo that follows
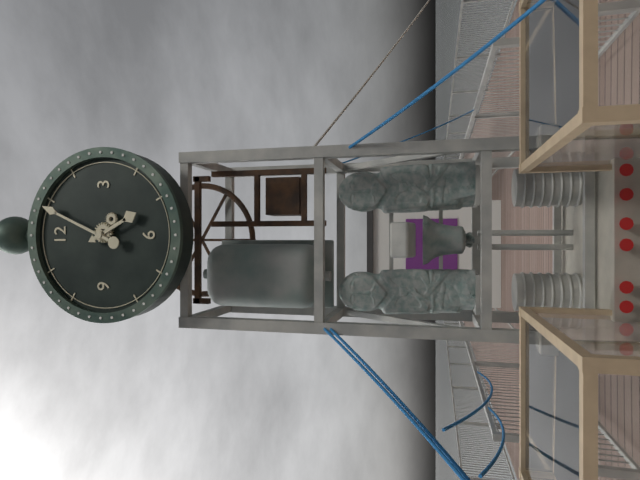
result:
{"hour": 5, "minute": 4}
